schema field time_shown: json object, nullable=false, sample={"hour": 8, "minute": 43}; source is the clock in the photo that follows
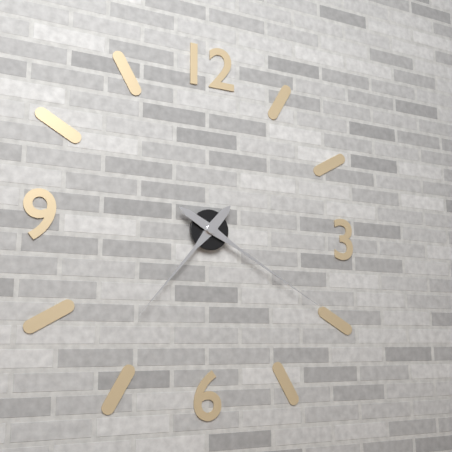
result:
{"hour": 7, "minute": 20}
